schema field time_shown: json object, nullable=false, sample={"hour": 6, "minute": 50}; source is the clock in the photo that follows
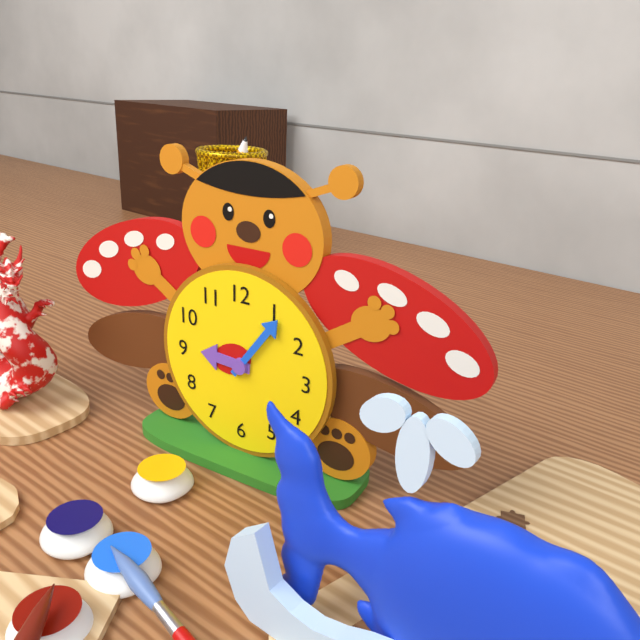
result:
{"hour": 9, "minute": 6}
